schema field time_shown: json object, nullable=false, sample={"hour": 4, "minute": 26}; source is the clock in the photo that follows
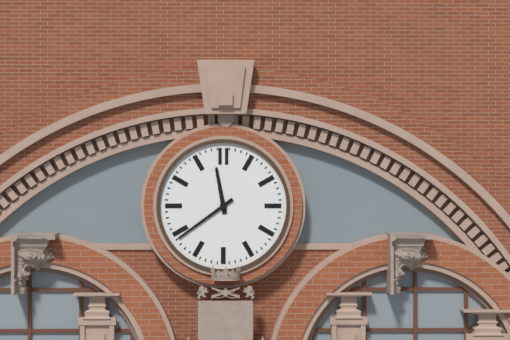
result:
{"hour": 11, "minute": 39}
